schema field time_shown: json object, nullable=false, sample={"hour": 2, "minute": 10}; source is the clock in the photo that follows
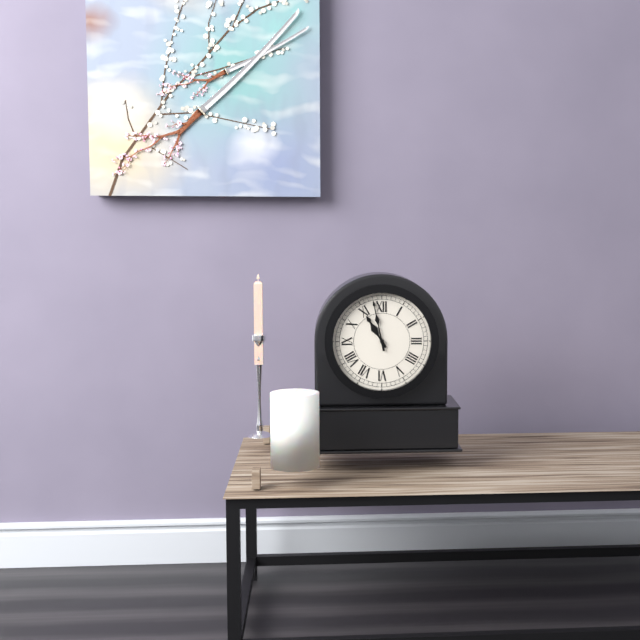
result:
{"hour": 10, "minute": 58}
